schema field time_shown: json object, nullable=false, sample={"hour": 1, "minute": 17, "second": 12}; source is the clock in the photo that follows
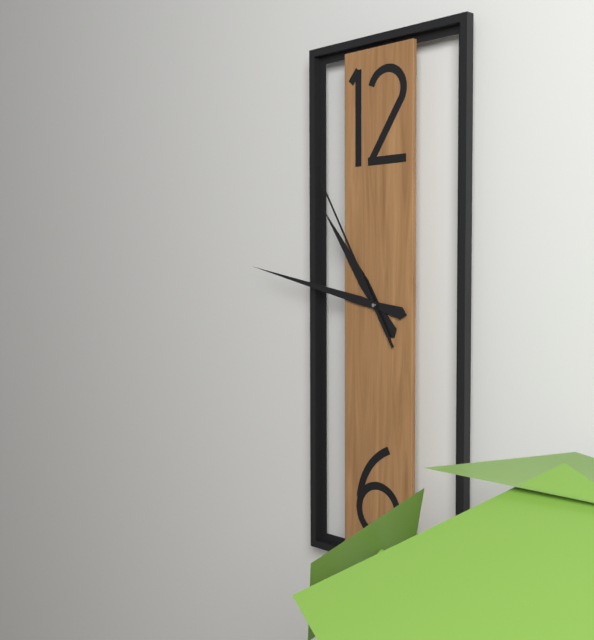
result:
{"hour": 10, "minute": 47, "second": 55}
